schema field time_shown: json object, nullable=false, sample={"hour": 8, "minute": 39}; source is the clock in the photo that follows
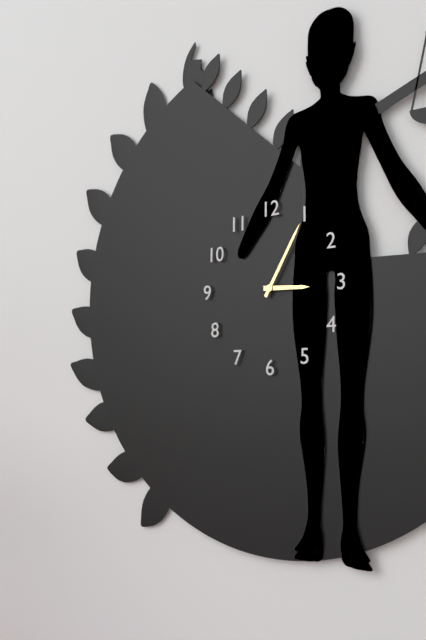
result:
{"hour": 3, "minute": 5}
